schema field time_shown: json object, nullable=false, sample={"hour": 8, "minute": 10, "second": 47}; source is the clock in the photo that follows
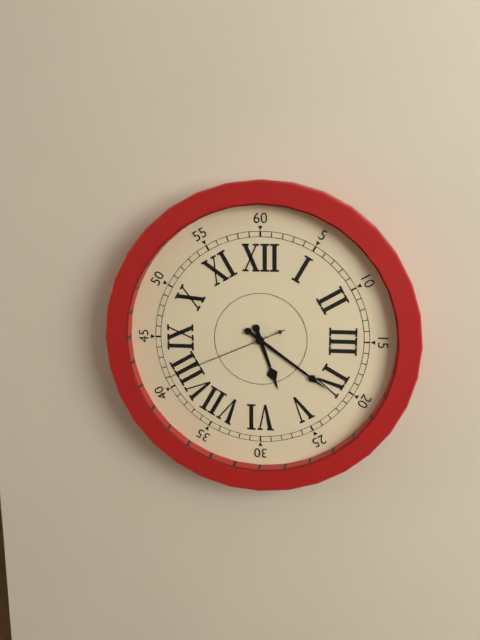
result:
{"hour": 5, "minute": 21, "second": 41}
